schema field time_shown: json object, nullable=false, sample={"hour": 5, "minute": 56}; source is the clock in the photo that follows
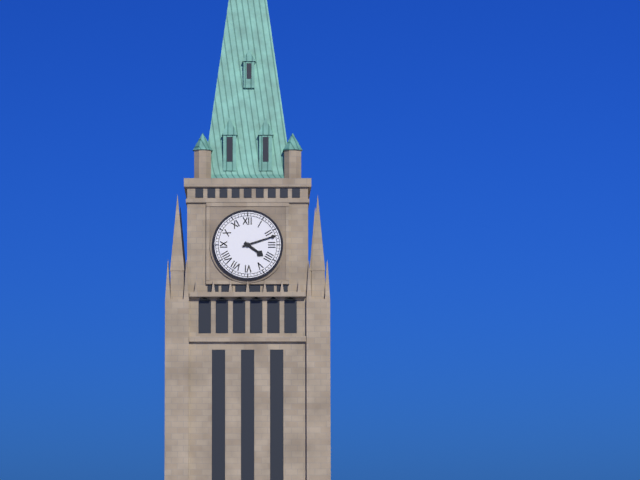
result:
{"hour": 4, "minute": 12}
